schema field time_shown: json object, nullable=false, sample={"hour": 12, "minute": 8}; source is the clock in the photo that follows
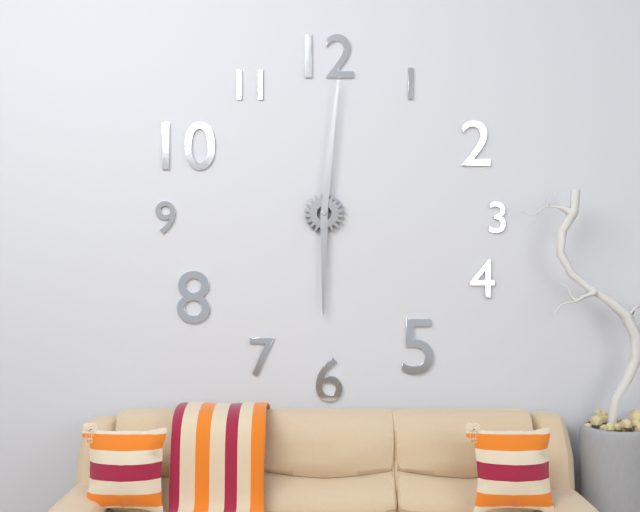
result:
{"hour": 6, "minute": 1}
